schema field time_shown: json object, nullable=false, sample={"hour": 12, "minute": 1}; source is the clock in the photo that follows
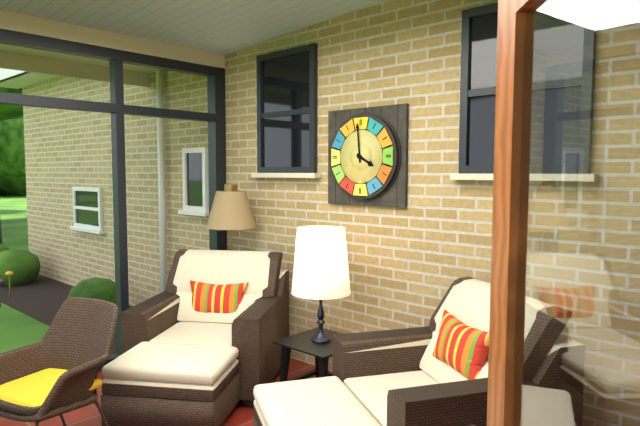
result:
{"hour": 3, "minute": 59}
